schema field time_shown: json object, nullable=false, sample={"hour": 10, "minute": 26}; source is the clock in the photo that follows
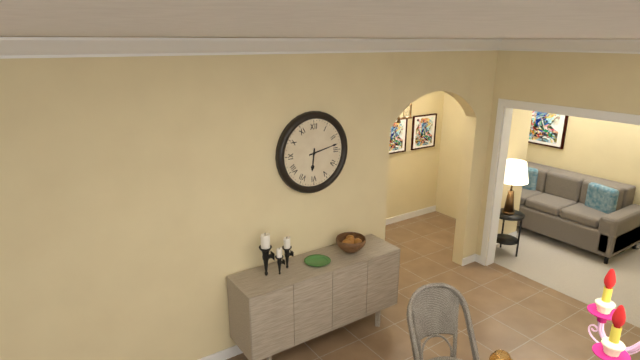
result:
{"hour": 6, "minute": 13}
